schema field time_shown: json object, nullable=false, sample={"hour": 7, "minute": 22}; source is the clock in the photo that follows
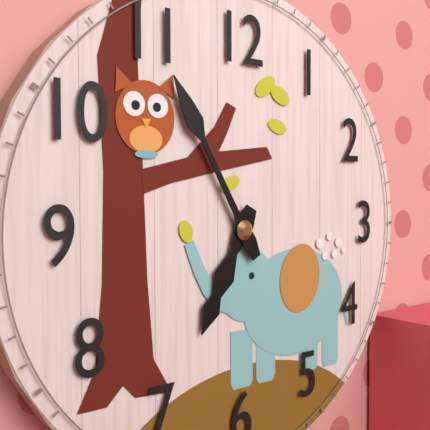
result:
{"hour": 6, "minute": 55}
